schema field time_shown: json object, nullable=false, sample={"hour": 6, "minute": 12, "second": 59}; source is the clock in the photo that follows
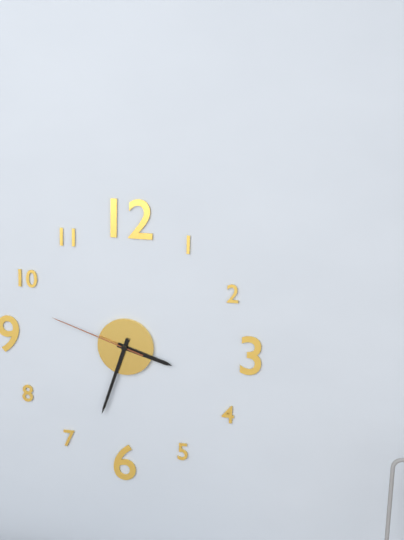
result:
{"hour": 3, "minute": 33, "second": 48}
